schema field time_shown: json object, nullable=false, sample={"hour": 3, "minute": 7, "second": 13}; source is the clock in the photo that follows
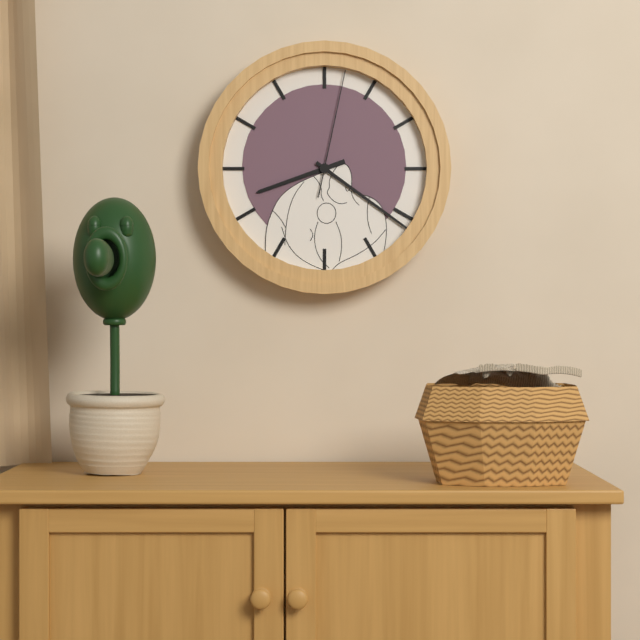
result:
{"hour": 8, "minute": 21, "second": 2}
